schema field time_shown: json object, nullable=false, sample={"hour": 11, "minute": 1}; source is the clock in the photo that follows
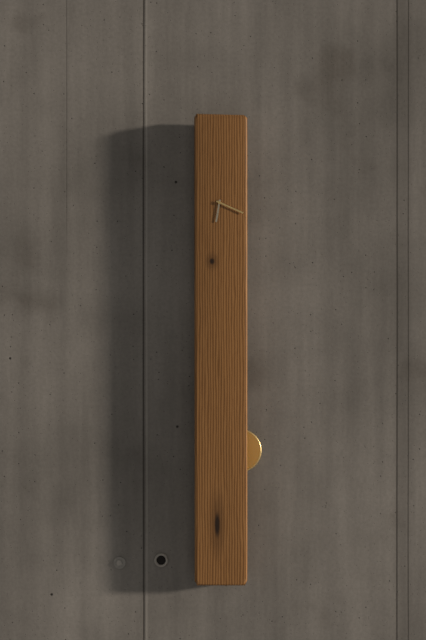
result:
{"hour": 6, "minute": 19}
